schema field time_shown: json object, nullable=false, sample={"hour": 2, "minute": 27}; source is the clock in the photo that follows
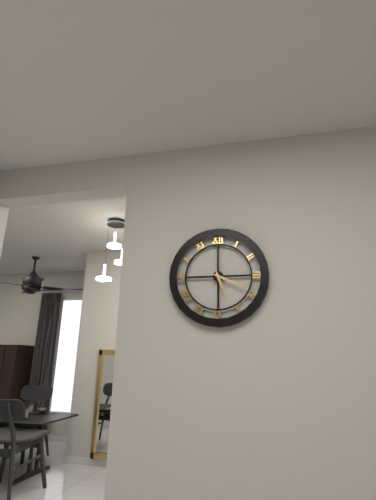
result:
{"hour": 5, "minute": 19}
